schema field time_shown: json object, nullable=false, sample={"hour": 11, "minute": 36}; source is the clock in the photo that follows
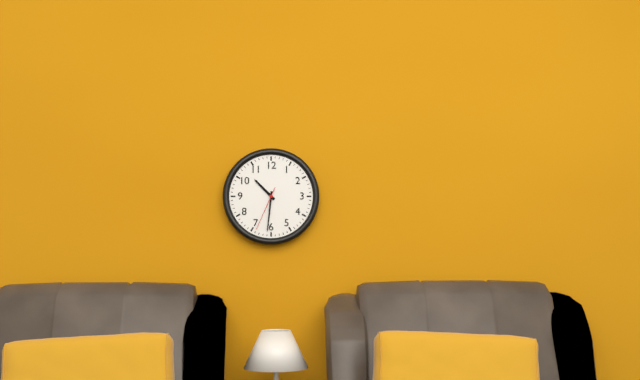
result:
{"hour": 10, "minute": 31}
